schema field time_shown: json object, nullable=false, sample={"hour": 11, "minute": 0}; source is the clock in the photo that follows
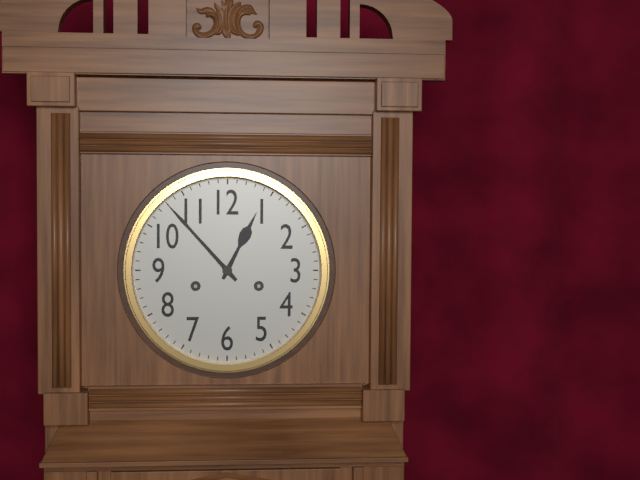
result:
{"hour": 12, "minute": 53}
